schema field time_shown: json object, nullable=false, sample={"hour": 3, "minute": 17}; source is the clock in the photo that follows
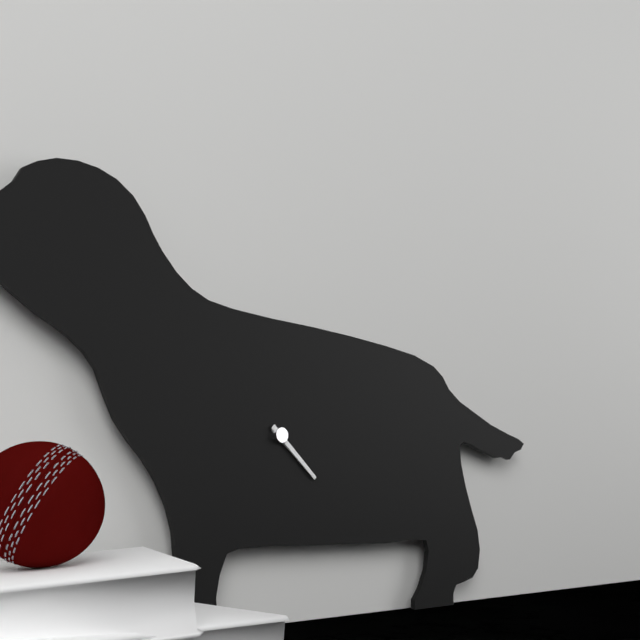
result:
{"hour": 4, "minute": 22}
